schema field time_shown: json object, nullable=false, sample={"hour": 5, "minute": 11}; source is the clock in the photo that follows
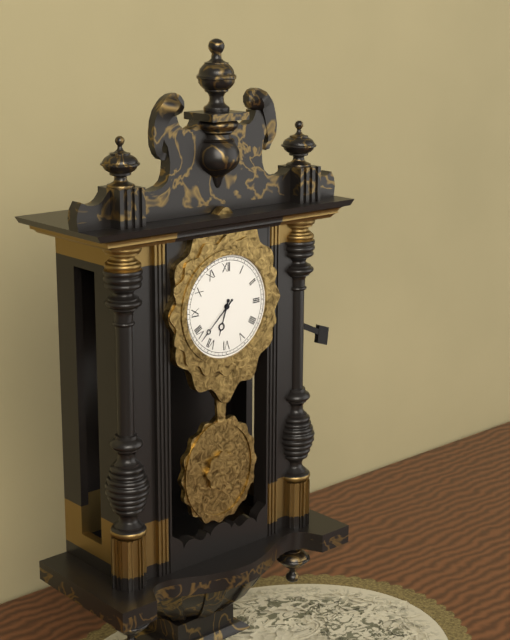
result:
{"hour": 6, "minute": 38}
